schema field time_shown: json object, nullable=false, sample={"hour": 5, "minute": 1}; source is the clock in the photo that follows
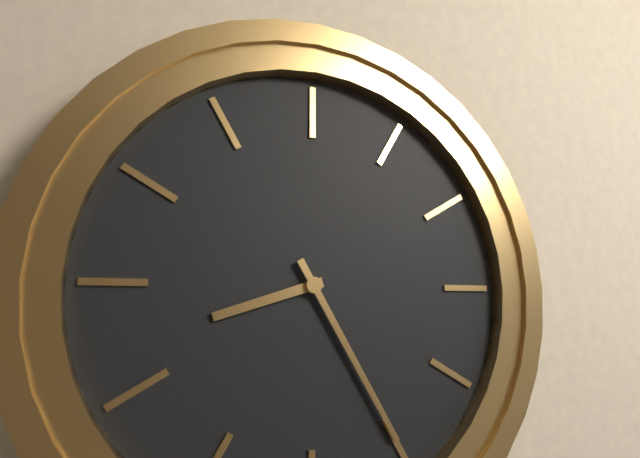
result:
{"hour": 8, "minute": 25}
